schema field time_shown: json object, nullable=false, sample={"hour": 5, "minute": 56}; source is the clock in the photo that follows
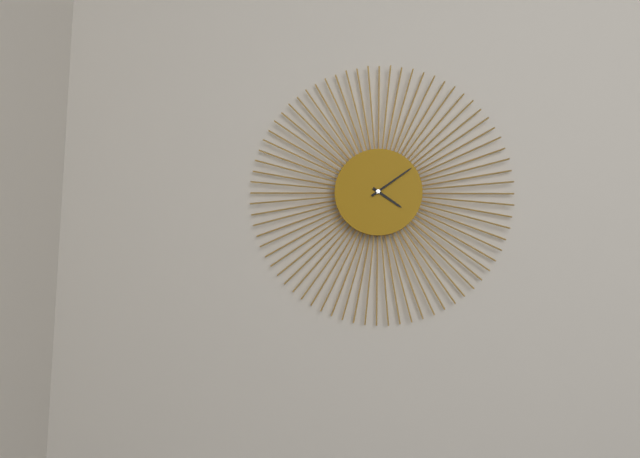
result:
{"hour": 4, "minute": 9}
